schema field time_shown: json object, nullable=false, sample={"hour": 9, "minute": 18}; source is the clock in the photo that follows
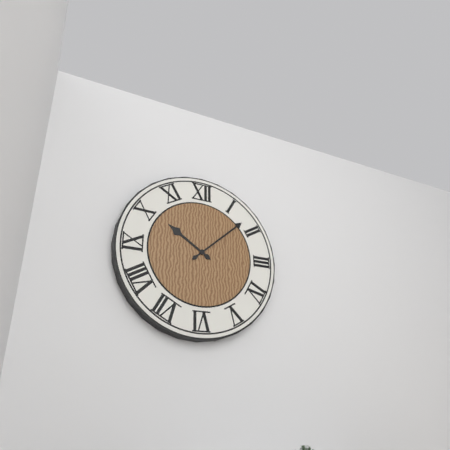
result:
{"hour": 10, "minute": 8}
